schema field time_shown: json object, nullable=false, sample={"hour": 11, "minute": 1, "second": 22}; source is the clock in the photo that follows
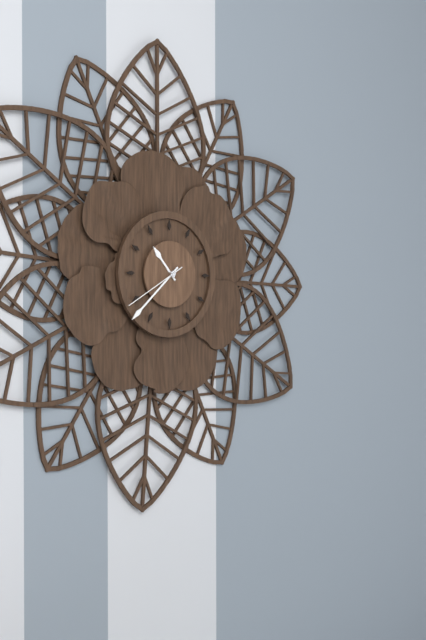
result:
{"hour": 10, "minute": 38, "second": 40}
